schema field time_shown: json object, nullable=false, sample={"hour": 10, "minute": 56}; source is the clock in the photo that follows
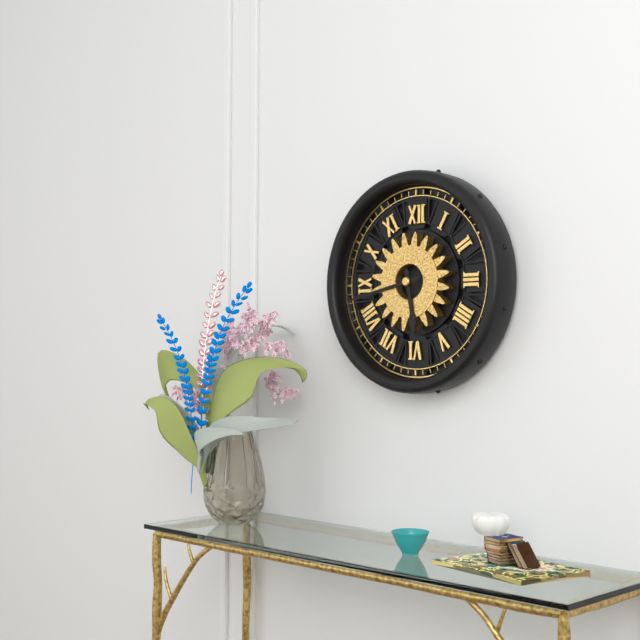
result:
{"hour": 5, "minute": 43}
